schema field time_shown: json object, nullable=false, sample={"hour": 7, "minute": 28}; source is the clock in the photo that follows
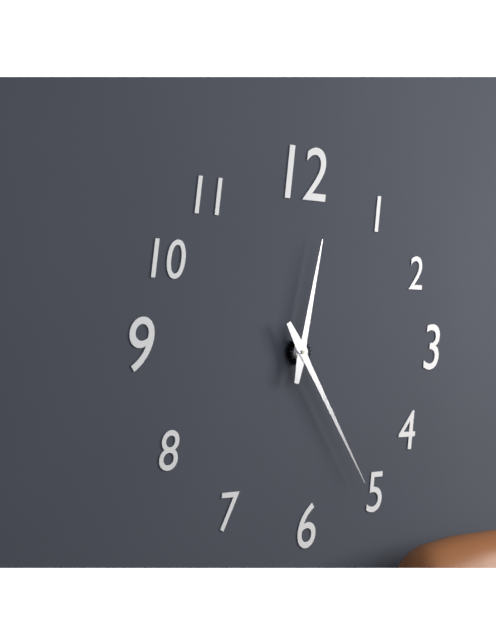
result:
{"hour": 12, "minute": 25}
